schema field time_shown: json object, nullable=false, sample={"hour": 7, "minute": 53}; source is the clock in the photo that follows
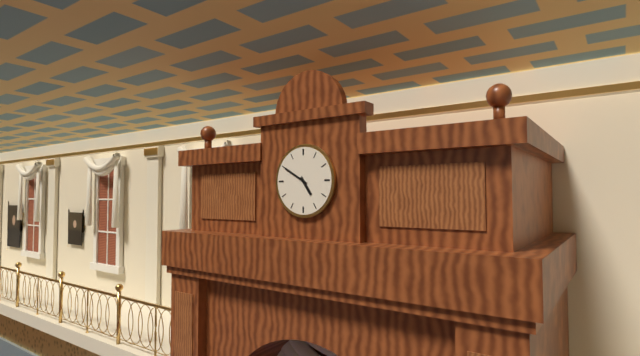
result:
{"hour": 4, "minute": 50}
